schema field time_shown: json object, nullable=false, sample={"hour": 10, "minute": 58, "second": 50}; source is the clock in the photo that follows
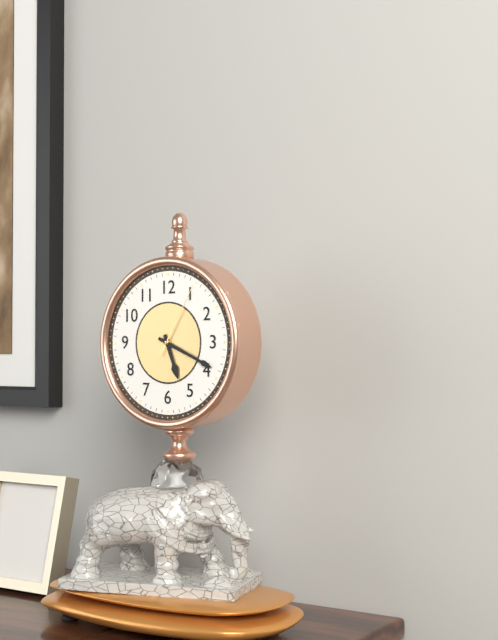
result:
{"hour": 5, "minute": 19, "second": 5}
